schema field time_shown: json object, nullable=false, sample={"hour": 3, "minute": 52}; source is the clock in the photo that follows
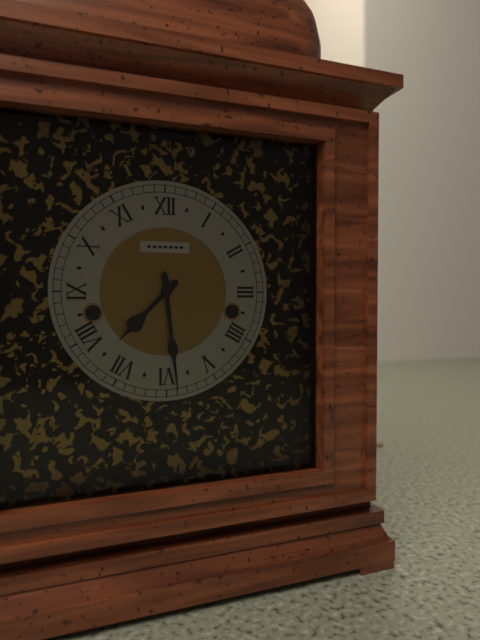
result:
{"hour": 7, "minute": 29}
